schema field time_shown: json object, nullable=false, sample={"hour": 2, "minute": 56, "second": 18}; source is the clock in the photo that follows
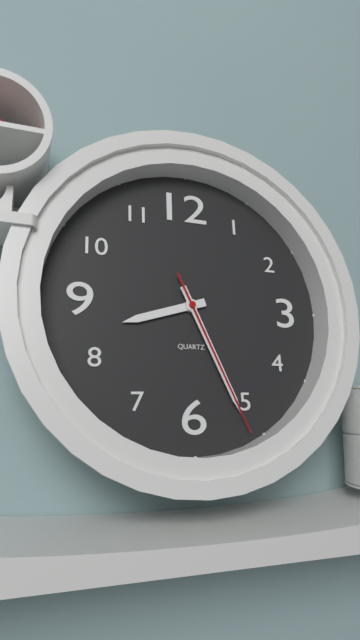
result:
{"hour": 8, "minute": 26, "second": 26}
